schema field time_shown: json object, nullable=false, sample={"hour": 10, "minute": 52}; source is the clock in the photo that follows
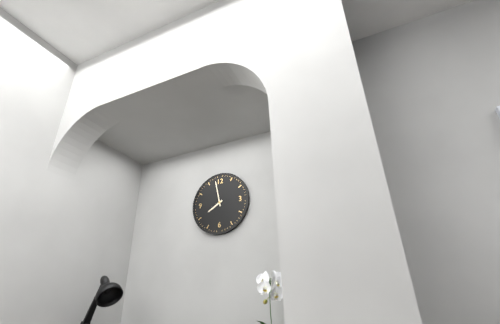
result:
{"hour": 7, "minute": 58}
